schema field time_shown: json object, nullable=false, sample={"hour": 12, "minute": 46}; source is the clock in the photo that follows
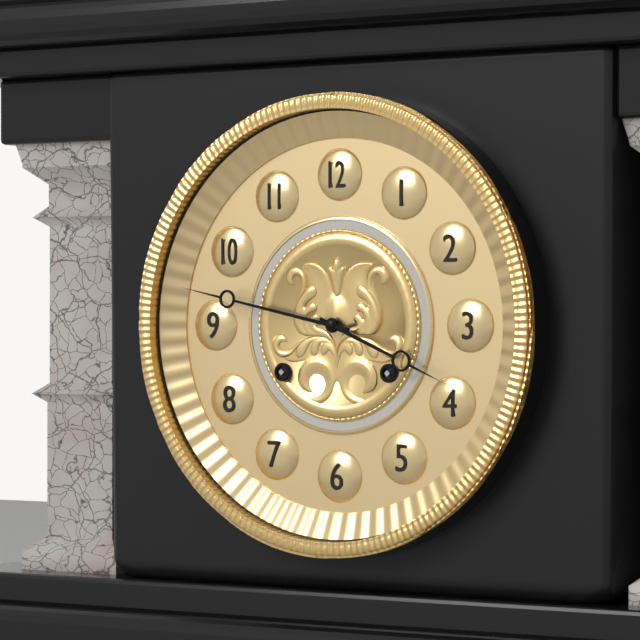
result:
{"hour": 3, "minute": 47}
